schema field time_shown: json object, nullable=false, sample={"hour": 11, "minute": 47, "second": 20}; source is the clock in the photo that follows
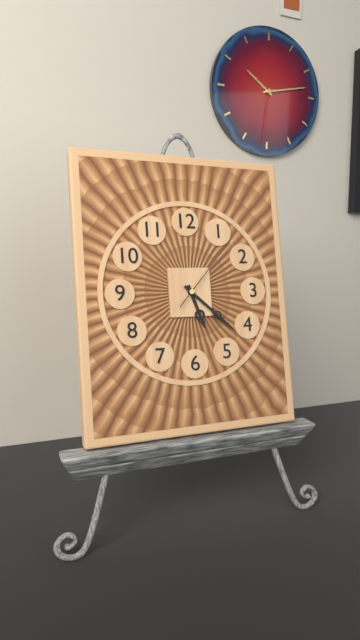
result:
{"hour": 5, "minute": 22, "second": 7}
